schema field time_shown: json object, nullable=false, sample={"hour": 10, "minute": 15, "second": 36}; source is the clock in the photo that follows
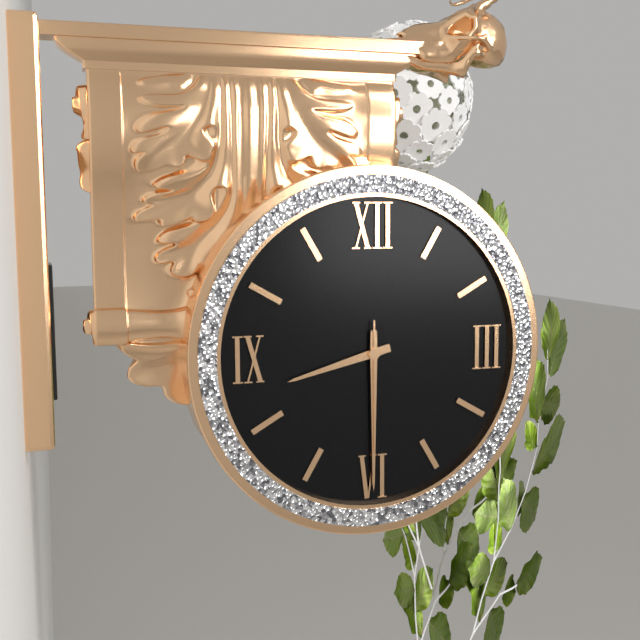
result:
{"hour": 8, "minute": 30, "second": 30}
